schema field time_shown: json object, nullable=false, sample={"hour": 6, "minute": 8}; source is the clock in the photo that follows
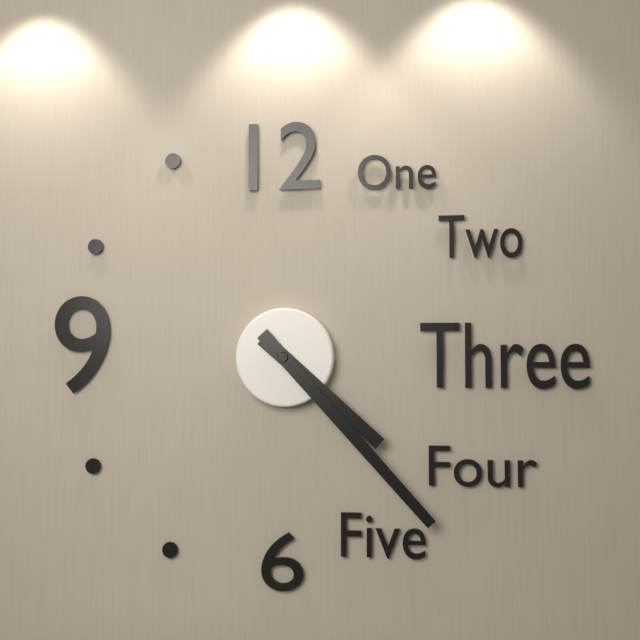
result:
{"hour": 4, "minute": 23}
